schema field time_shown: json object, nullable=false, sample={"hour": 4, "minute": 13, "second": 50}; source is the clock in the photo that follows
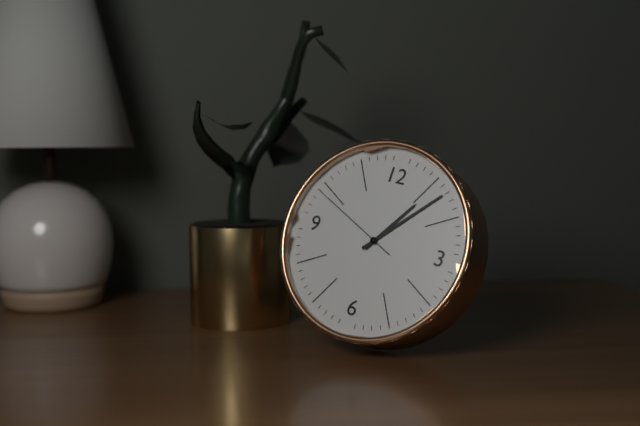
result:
{"hour": 1, "minute": 7, "second": 49}
